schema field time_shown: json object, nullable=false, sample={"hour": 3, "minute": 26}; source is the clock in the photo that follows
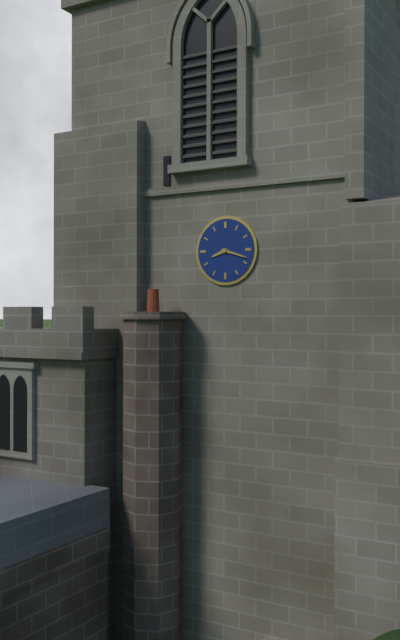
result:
{"hour": 8, "minute": 18}
